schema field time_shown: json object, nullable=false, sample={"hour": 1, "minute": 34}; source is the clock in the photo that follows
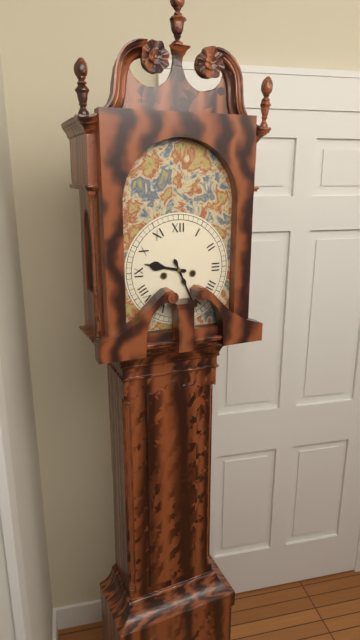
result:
{"hour": 9, "minute": 26}
